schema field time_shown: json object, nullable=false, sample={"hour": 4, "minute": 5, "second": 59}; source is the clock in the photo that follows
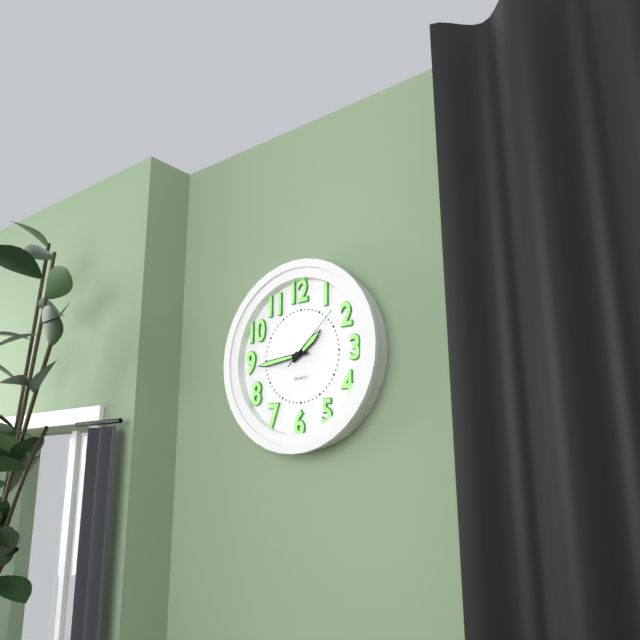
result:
{"hour": 1, "minute": 44, "second": 8}
